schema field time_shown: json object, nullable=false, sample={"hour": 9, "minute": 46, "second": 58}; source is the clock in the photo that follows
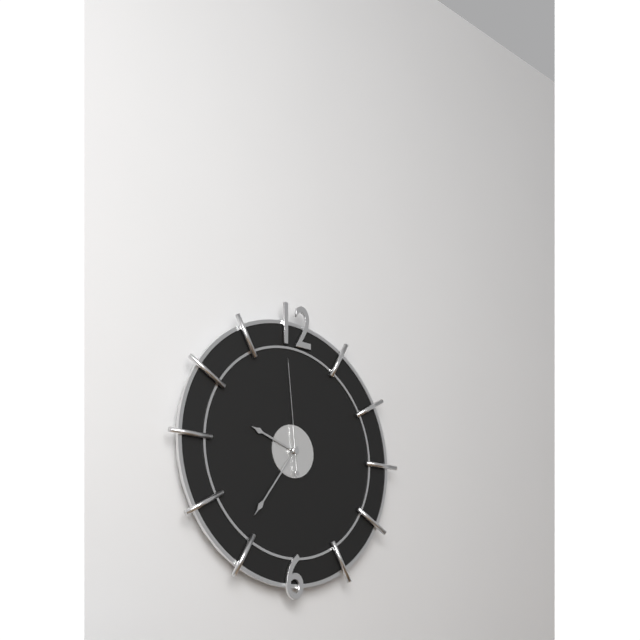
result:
{"hour": 9, "minute": 36, "second": 59}
